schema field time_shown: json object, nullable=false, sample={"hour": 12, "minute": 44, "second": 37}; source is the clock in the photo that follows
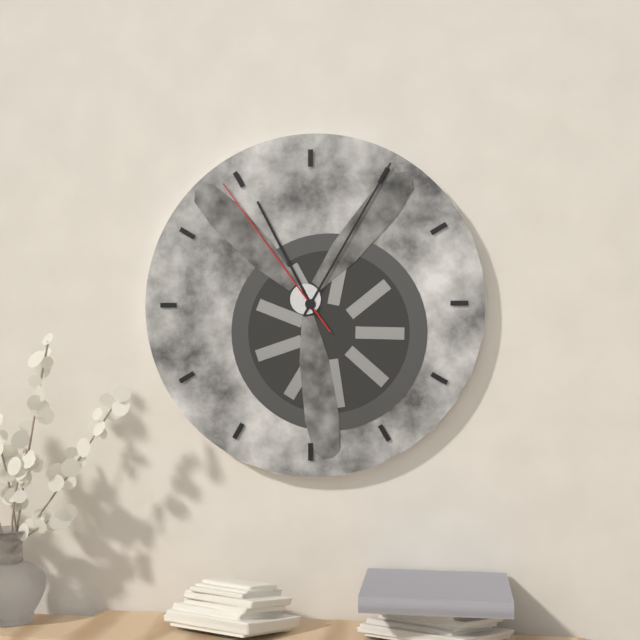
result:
{"hour": 11, "minute": 5, "second": 54}
